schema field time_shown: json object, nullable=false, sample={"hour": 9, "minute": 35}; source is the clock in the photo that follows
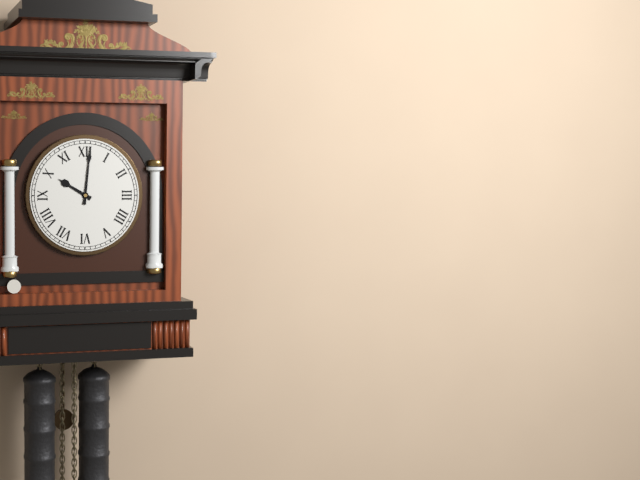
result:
{"hour": 10, "minute": 1}
